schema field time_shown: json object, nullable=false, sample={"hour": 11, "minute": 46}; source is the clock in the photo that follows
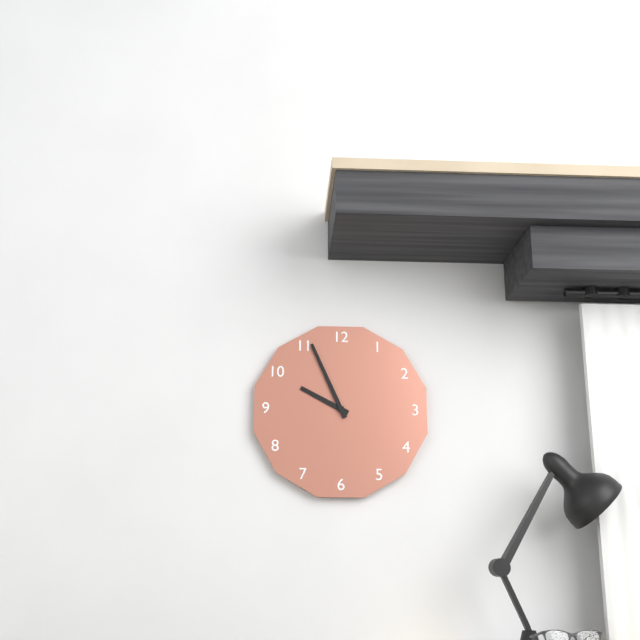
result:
{"hour": 9, "minute": 56}
